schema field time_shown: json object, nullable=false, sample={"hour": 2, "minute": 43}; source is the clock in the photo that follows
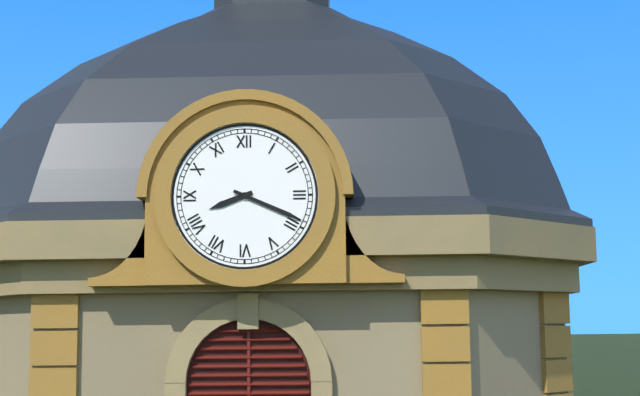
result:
{"hour": 8, "minute": 19}
